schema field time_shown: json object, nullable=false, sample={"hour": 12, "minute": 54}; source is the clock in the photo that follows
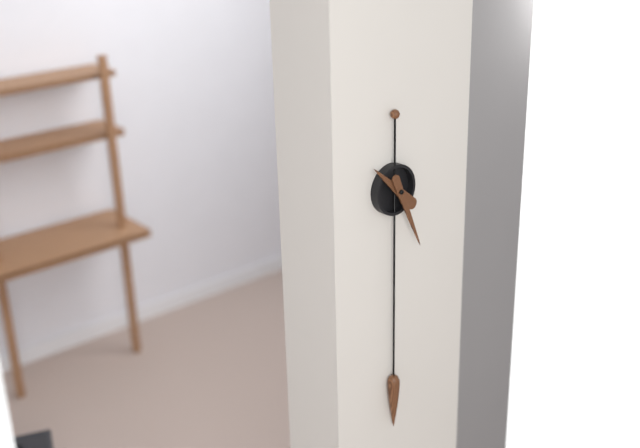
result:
{"hour": 10, "minute": 26}
